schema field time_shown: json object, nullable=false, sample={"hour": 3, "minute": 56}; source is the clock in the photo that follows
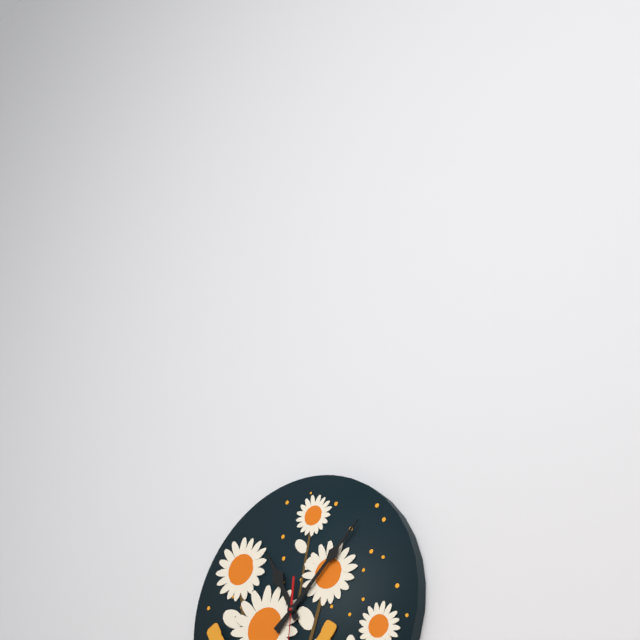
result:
{"hour": 11, "minute": 8}
